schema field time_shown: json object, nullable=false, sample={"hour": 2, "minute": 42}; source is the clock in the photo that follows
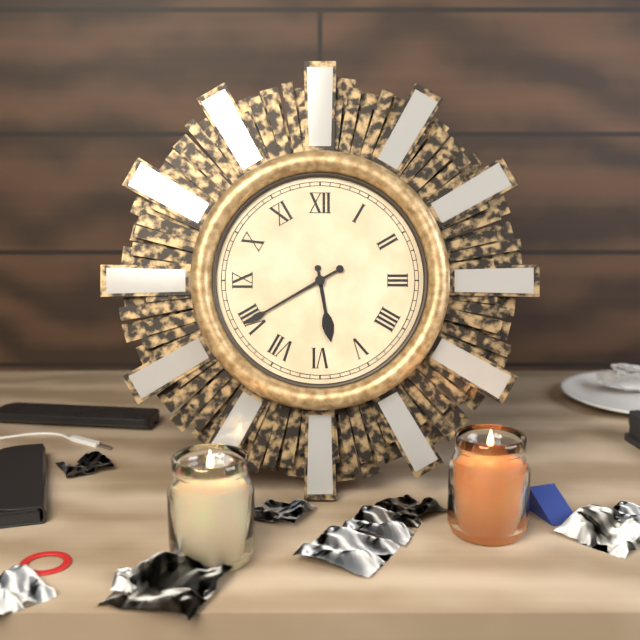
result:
{"hour": 5, "minute": 40}
